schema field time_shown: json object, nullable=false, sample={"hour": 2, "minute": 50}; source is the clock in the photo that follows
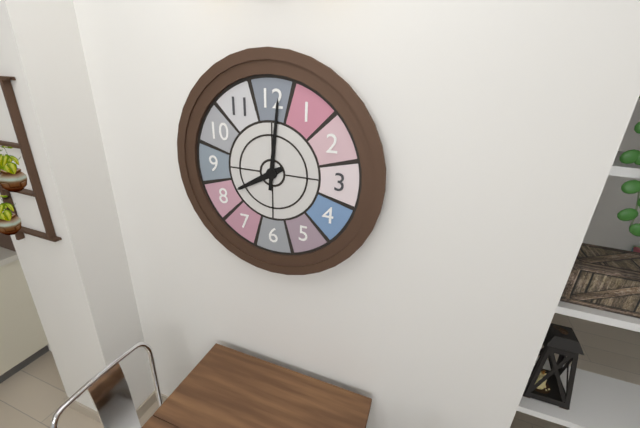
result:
{"hour": 8, "minute": 1}
